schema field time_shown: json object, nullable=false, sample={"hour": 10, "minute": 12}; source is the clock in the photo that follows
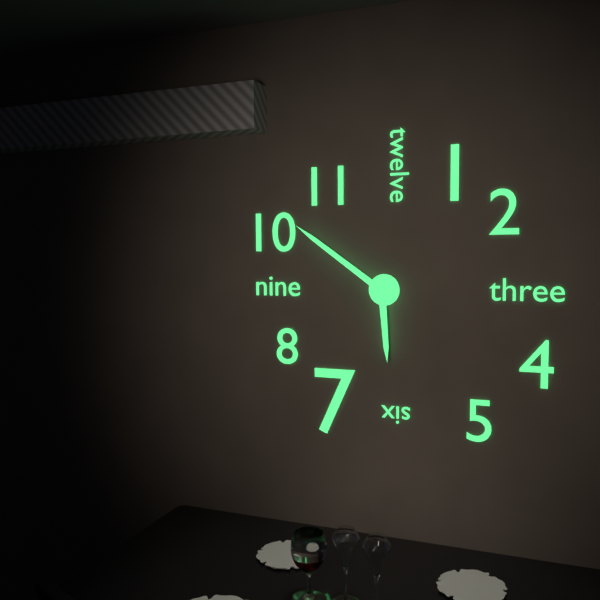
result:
{"hour": 5, "minute": 51}
